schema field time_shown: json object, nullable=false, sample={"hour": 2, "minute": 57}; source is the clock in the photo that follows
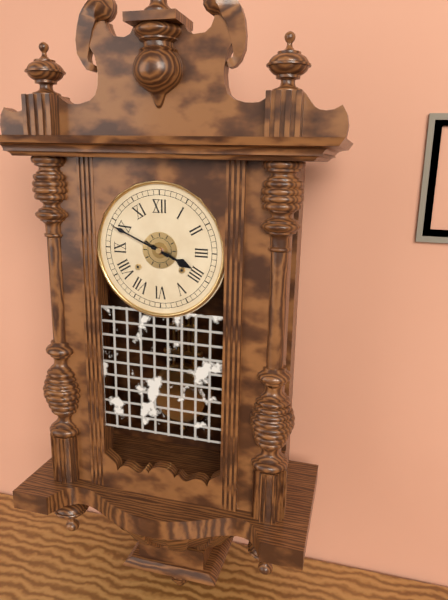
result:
{"hour": 3, "minute": 49}
